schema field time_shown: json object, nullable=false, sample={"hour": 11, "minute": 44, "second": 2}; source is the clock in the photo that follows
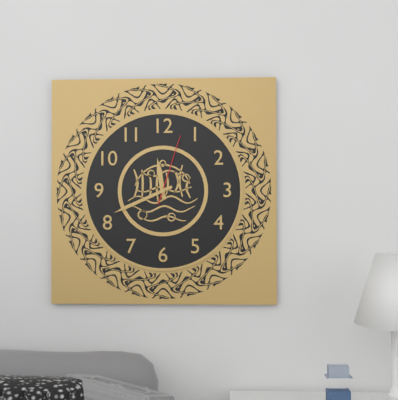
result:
{"hour": 11, "minute": 41, "second": 3}
